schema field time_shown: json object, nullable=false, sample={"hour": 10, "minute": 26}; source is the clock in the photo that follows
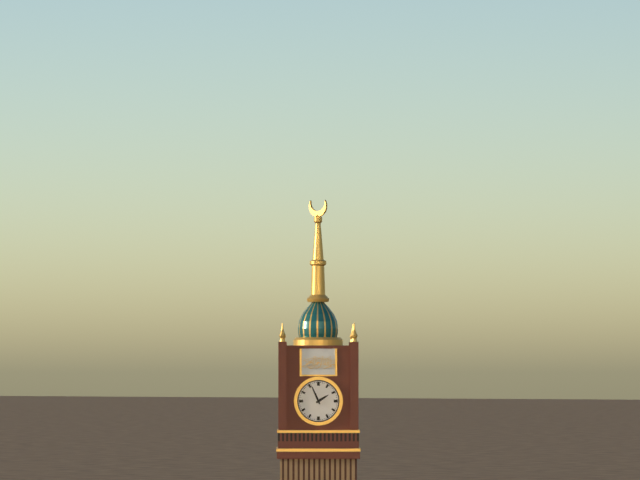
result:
{"hour": 1, "minute": 56}
